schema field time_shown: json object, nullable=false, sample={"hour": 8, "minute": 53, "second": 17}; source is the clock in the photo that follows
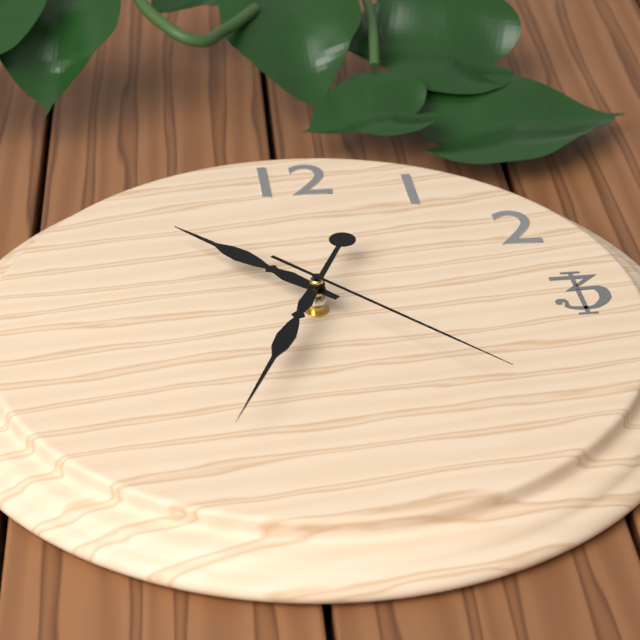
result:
{"hour": 10, "minute": 34, "second": 23}
